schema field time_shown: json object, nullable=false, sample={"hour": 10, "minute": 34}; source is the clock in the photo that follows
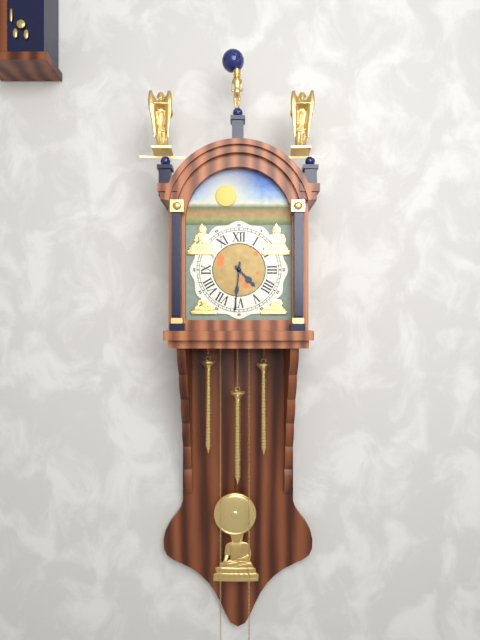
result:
{"hour": 4, "minute": 31}
